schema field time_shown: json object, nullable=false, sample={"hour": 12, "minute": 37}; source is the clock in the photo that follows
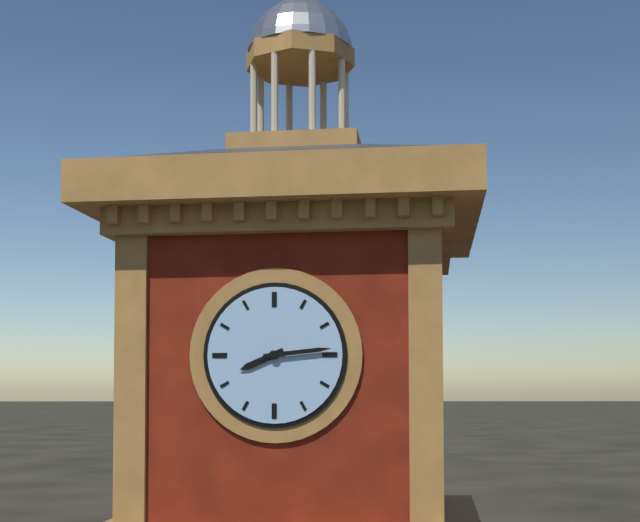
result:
{"hour": 8, "minute": 14}
